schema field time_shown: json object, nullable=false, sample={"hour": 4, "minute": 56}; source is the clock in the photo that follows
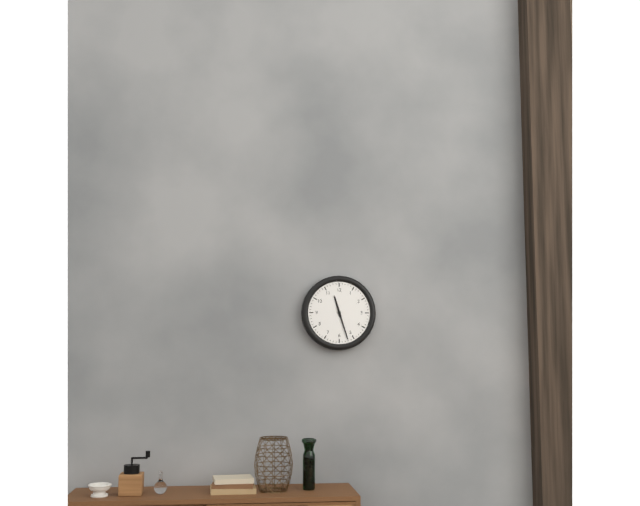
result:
{"hour": 11, "minute": 27}
